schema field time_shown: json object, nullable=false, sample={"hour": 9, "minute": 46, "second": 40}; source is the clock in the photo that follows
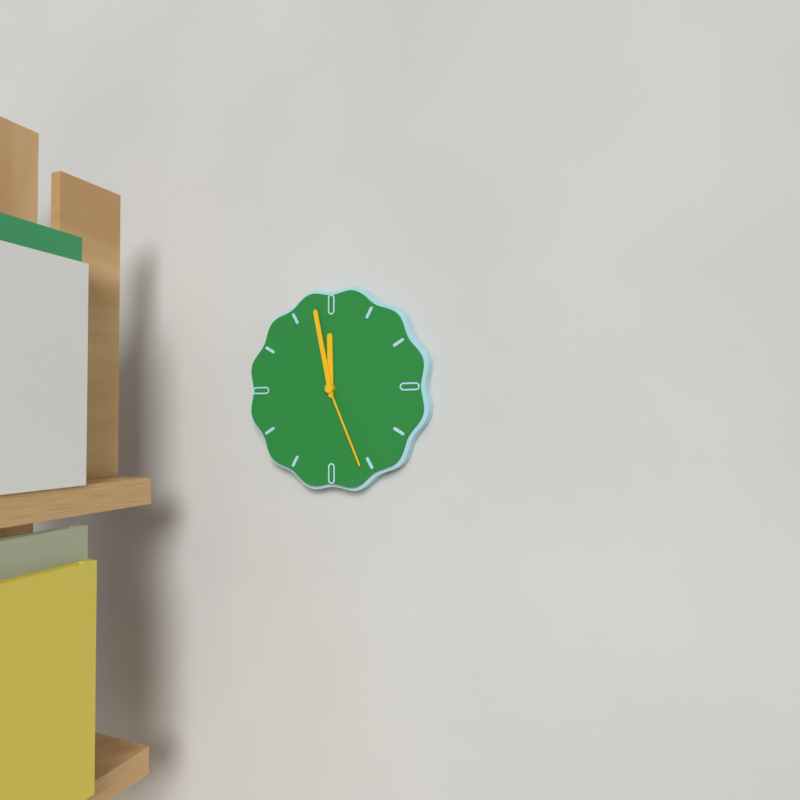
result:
{"hour": 11, "minute": 58, "second": 26}
